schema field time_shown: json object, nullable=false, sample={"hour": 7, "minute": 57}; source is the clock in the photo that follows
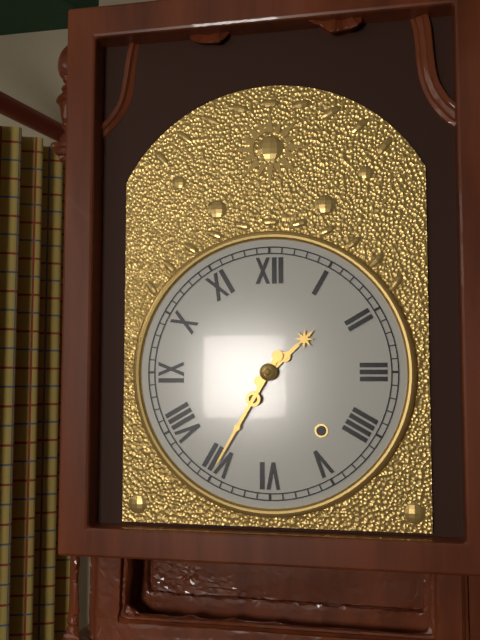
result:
{"hour": 1, "minute": 35}
